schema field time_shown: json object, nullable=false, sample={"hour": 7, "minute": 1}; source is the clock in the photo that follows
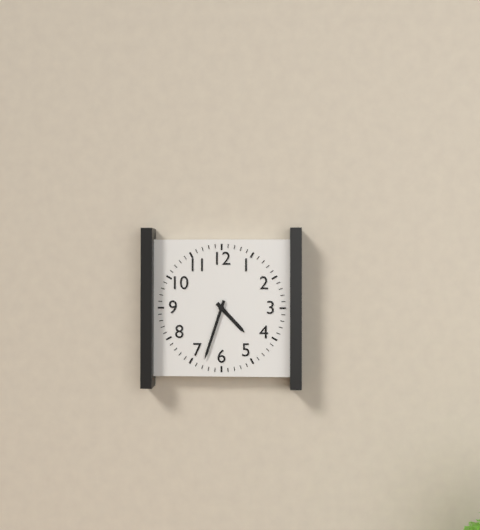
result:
{"hour": 4, "minute": 33}
